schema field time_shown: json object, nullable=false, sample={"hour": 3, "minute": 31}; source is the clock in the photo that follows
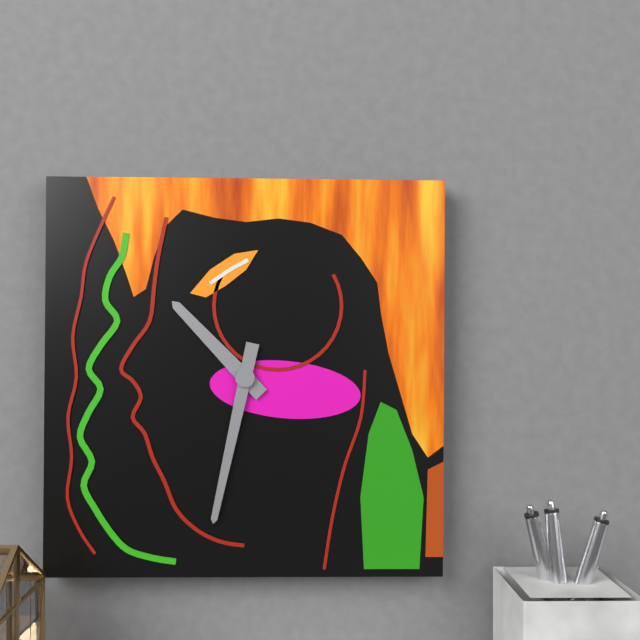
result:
{"hour": 10, "minute": 32}
